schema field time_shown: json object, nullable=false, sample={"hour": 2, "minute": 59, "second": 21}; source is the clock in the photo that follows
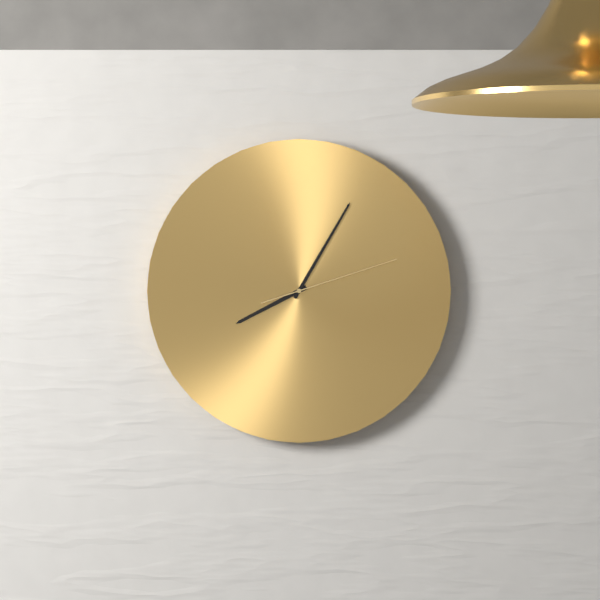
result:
{"hour": 8, "minute": 5, "second": 12}
